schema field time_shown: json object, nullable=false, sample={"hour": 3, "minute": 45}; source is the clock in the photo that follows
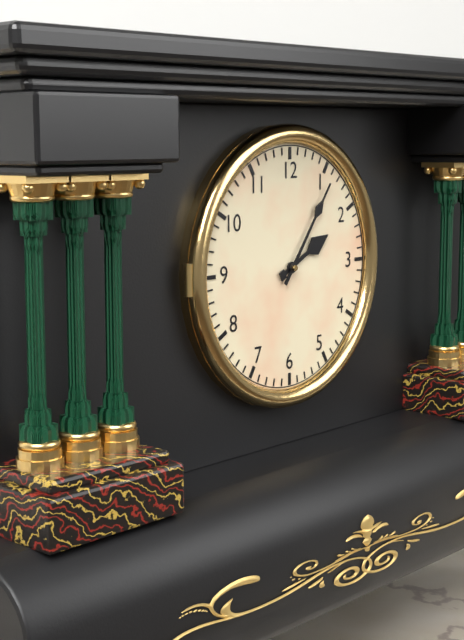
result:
{"hour": 2, "minute": 6}
